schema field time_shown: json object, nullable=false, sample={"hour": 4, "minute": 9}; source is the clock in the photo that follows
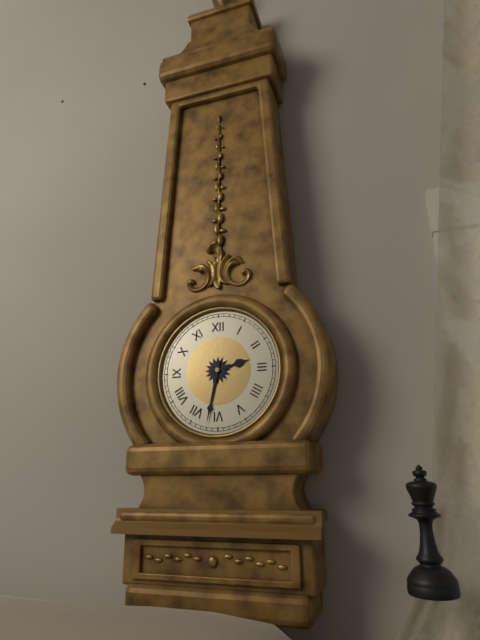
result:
{"hour": 2, "minute": 32}
